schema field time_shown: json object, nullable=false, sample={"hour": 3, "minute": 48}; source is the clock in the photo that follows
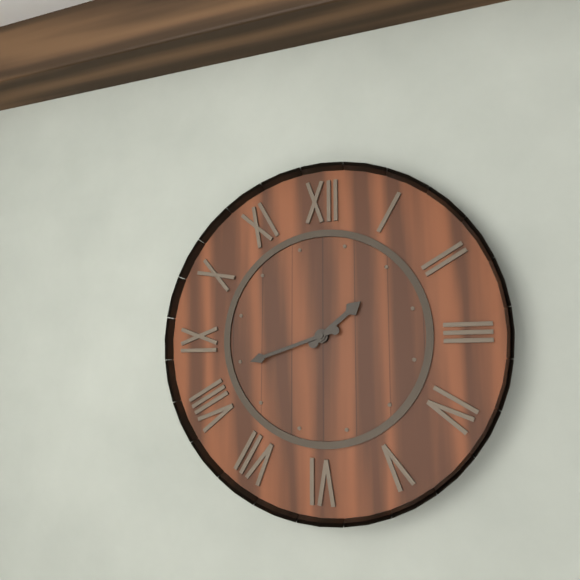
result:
{"hour": 1, "minute": 42}
